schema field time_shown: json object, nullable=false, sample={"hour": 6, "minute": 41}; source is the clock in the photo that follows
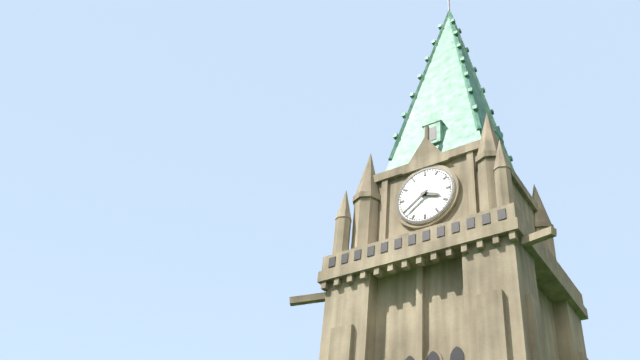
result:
{"hour": 3, "minute": 39}
